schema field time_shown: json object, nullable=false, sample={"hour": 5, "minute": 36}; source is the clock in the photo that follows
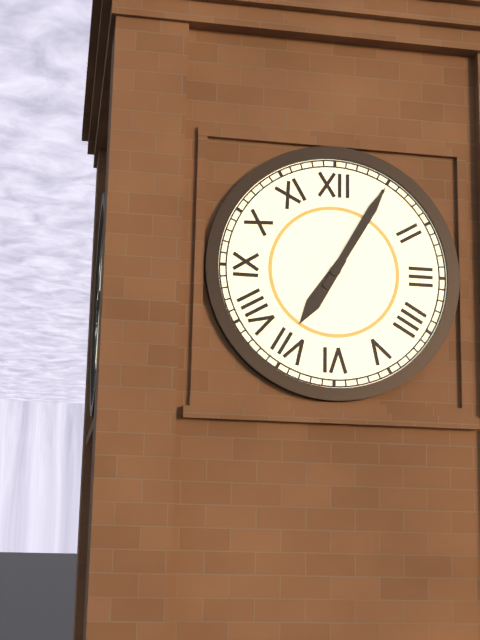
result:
{"hour": 7, "minute": 5}
